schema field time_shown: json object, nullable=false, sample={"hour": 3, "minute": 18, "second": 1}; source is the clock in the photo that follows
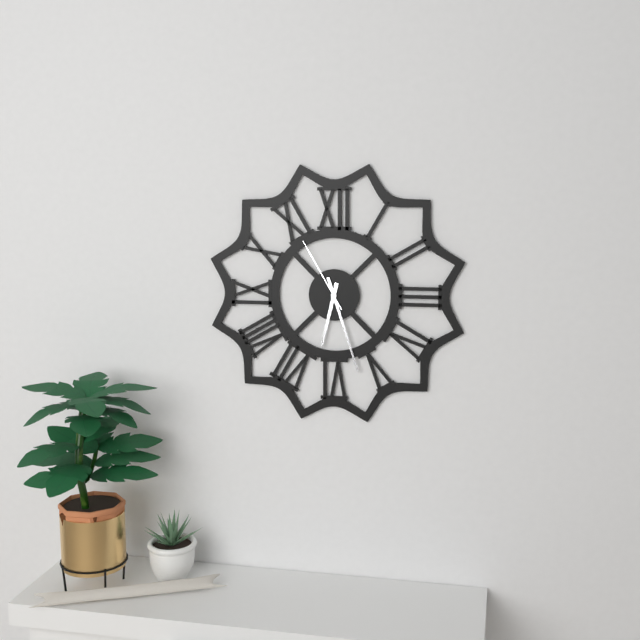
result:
{"hour": 6, "minute": 27, "second": 55}
